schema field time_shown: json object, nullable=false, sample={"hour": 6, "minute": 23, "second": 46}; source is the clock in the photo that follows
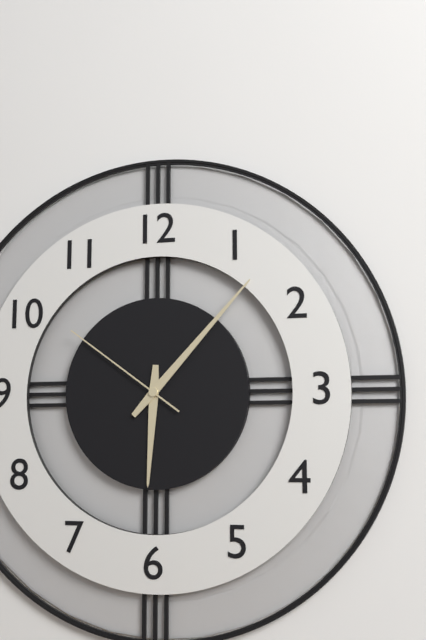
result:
{"hour": 6, "minute": 7, "second": 51}
